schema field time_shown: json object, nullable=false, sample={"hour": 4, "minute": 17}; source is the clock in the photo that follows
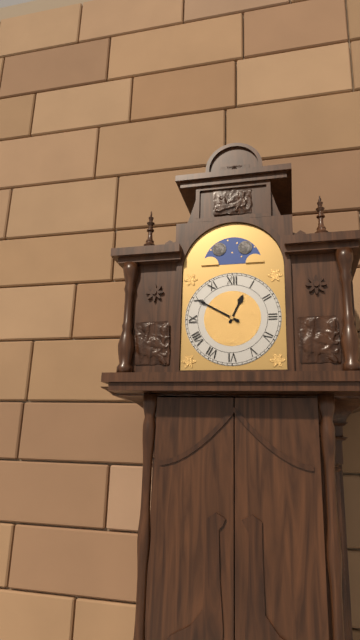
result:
{"hour": 12, "minute": 50}
